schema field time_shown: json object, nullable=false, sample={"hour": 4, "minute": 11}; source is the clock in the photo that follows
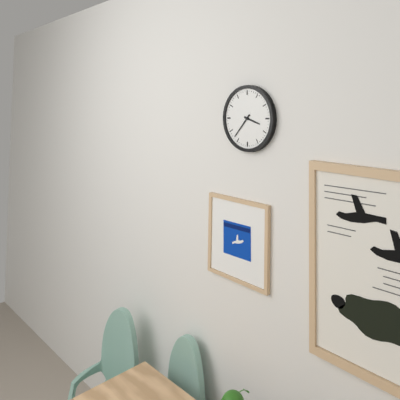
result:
{"hour": 3, "minute": 37}
